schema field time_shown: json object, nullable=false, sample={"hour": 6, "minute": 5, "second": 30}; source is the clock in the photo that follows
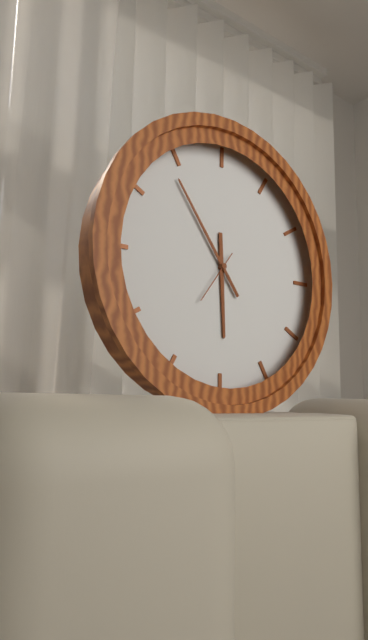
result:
{"hour": 5, "minute": 54, "second": 36}
